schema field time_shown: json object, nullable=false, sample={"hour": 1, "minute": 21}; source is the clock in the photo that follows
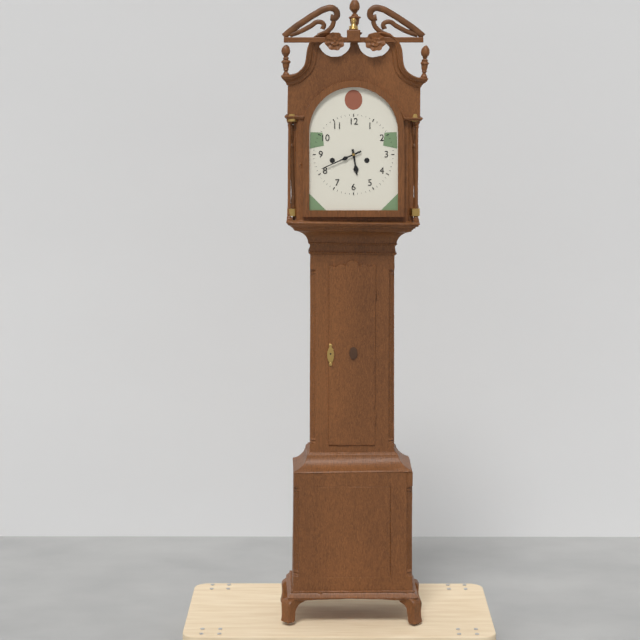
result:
{"hour": 5, "minute": 41}
